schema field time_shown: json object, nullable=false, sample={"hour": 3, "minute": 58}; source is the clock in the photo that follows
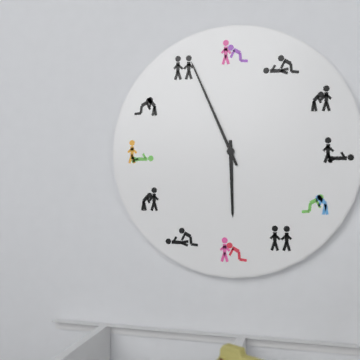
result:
{"hour": 5, "minute": 56}
